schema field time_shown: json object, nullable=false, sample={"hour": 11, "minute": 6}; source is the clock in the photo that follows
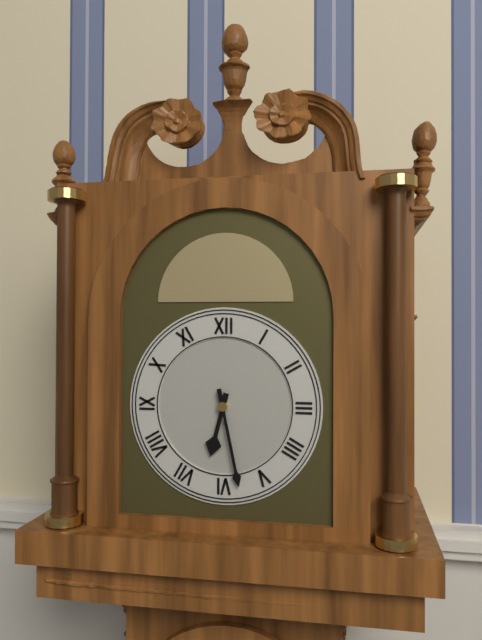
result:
{"hour": 6, "minute": 28}
